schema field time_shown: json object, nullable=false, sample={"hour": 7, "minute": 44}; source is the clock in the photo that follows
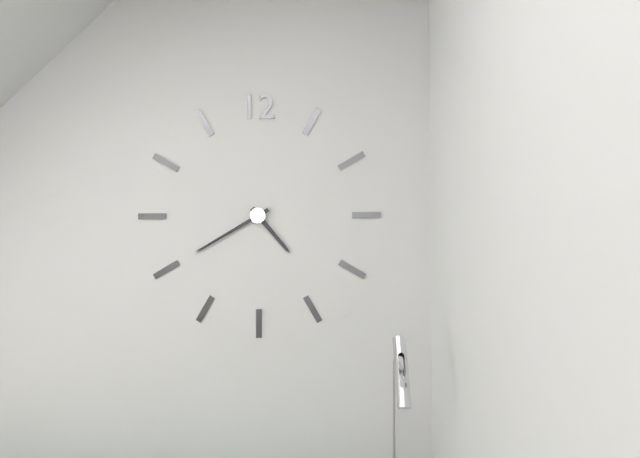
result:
{"hour": 4, "minute": 40}
